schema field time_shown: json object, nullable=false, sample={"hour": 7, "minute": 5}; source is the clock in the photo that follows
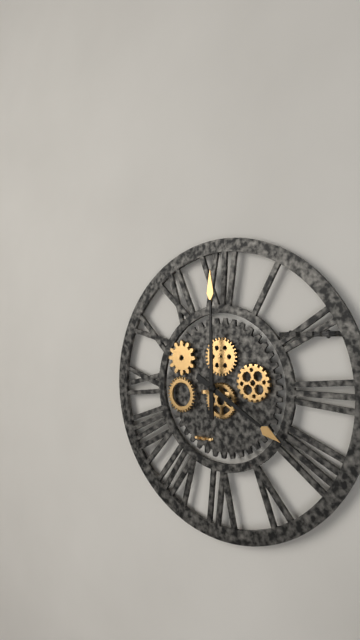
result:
{"hour": 4, "minute": 0}
